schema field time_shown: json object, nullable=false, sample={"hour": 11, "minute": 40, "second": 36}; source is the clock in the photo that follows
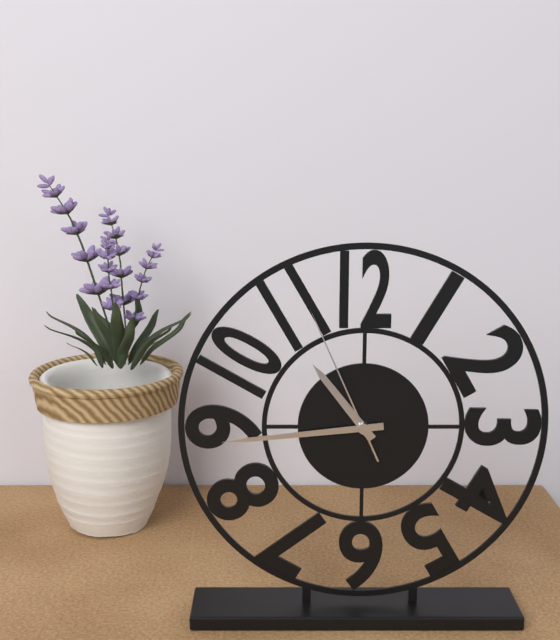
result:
{"hour": 10, "minute": 44, "second": 56}
